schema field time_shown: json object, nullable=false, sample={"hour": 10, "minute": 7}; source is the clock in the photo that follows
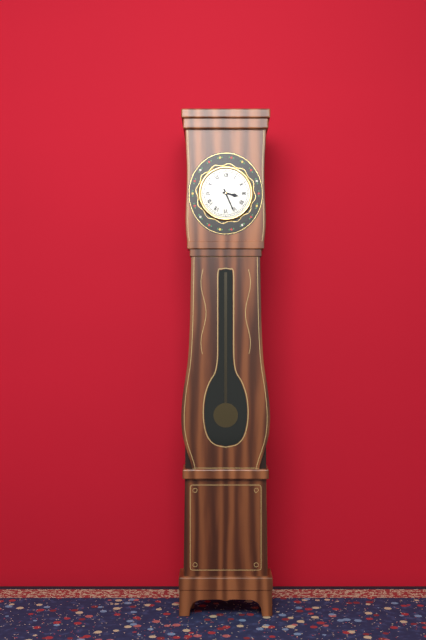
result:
{"hour": 3, "minute": 26}
